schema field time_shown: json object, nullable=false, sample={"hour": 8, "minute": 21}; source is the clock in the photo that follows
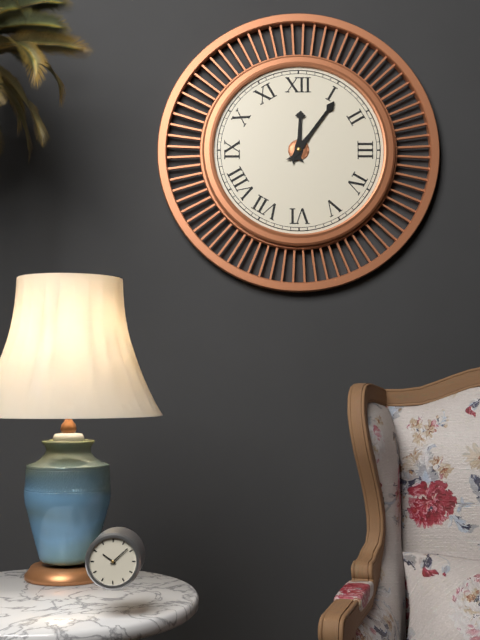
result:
{"hour": 12, "minute": 6}
